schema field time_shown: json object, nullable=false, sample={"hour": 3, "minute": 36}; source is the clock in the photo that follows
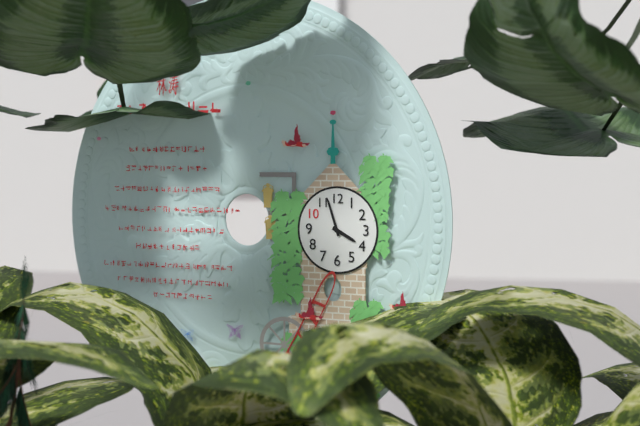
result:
{"hour": 3, "minute": 57}
